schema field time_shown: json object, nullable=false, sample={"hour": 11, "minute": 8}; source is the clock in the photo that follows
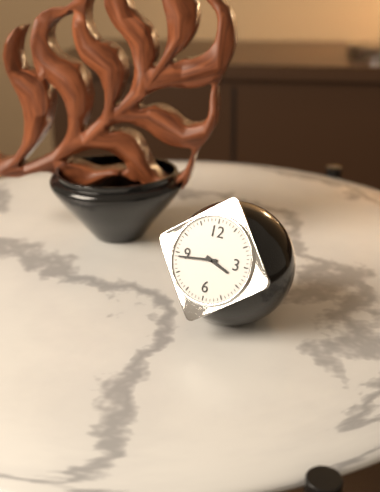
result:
{"hour": 3, "minute": 44}
